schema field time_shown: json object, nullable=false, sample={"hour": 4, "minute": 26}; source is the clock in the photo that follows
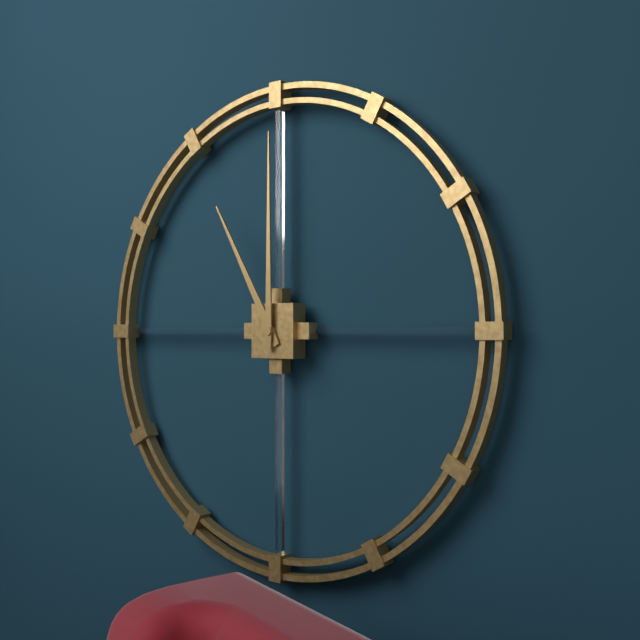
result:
{"hour": 11, "minute": 0}
